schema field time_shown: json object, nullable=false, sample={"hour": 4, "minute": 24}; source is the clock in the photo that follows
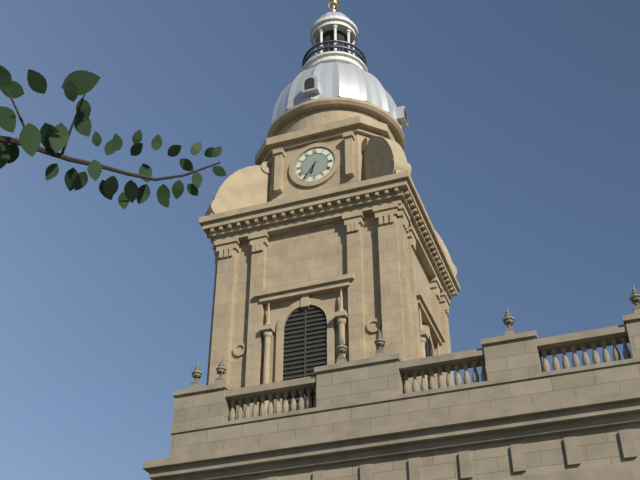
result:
{"hour": 6, "minute": 36}
